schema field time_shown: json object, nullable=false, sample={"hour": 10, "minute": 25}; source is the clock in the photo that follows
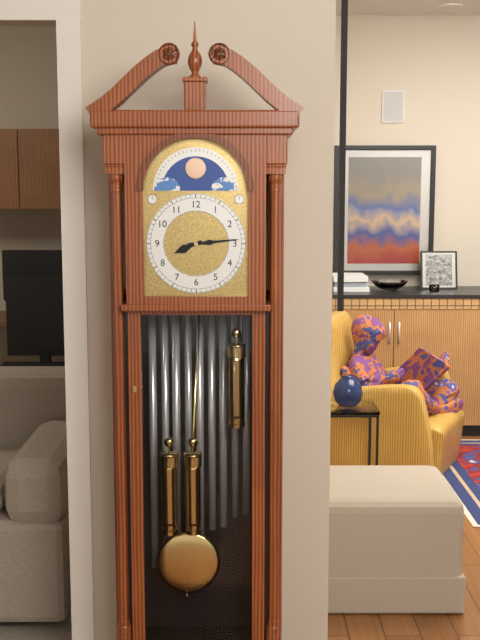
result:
{"hour": 8, "minute": 14}
